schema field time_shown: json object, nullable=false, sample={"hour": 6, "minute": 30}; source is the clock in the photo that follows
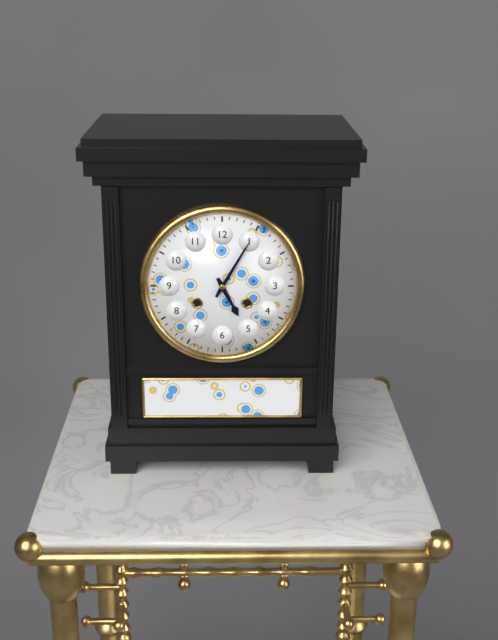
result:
{"hour": 5, "minute": 5}
